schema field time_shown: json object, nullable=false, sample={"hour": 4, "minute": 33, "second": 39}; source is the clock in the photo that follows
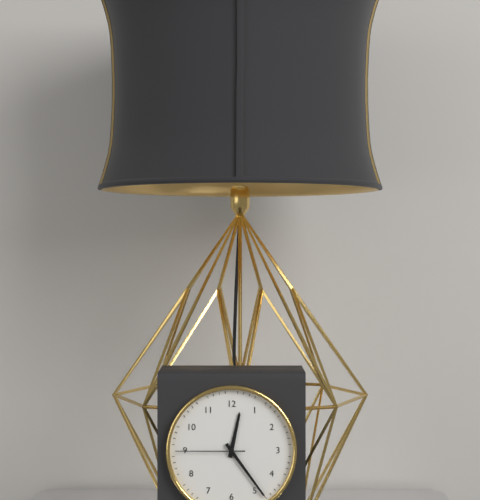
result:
{"hour": 12, "minute": 24, "second": 45}
